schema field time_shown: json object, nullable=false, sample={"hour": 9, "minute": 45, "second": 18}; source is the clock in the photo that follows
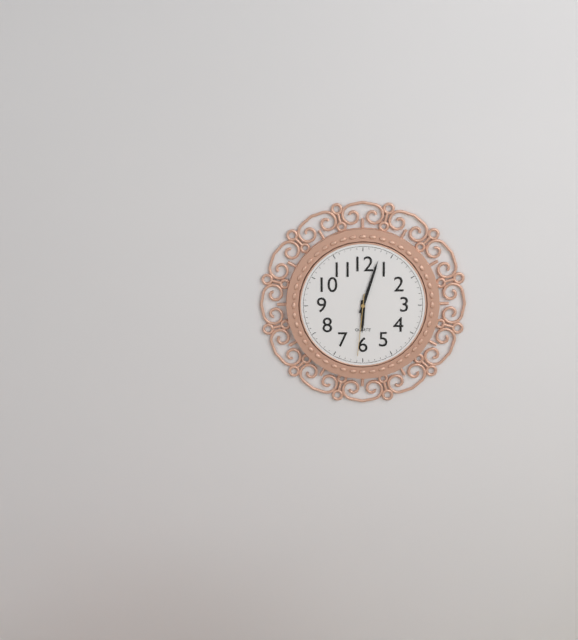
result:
{"hour": 6, "minute": 3, "second": 31}
